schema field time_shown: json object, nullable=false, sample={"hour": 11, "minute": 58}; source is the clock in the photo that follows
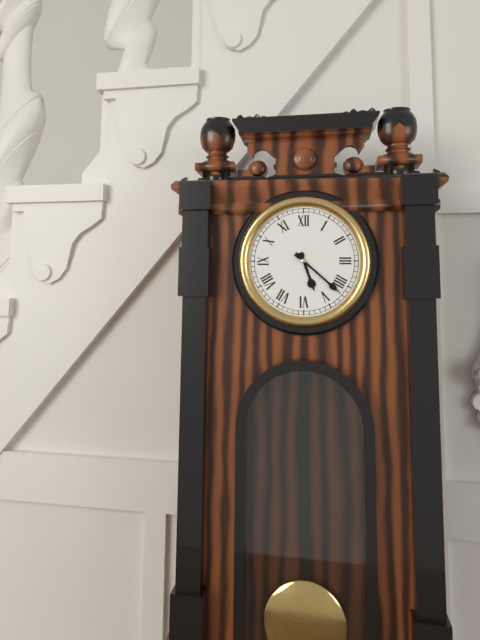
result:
{"hour": 5, "minute": 22}
